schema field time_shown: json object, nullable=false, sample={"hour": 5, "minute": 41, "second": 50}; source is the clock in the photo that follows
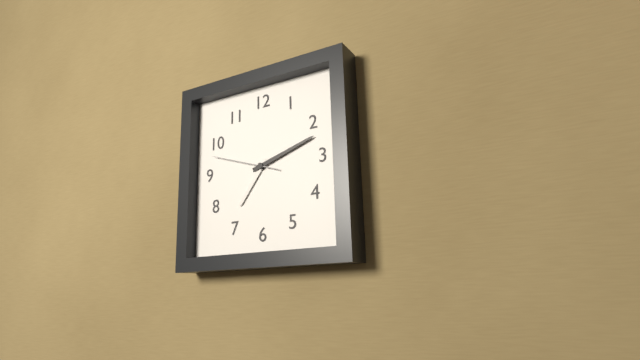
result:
{"hour": 7, "minute": 12, "second": 48}
